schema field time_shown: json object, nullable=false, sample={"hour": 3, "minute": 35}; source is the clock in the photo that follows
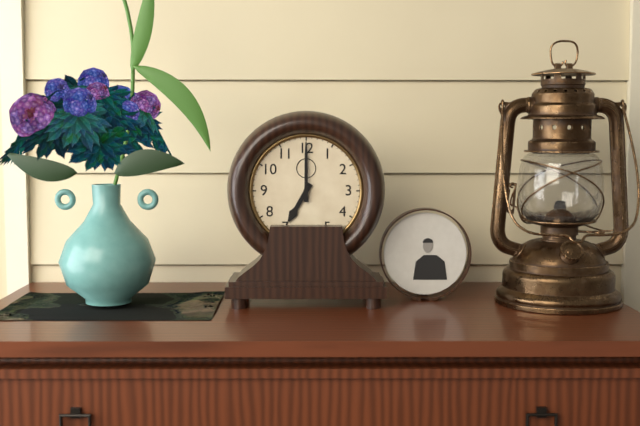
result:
{"hour": 7, "minute": 0}
